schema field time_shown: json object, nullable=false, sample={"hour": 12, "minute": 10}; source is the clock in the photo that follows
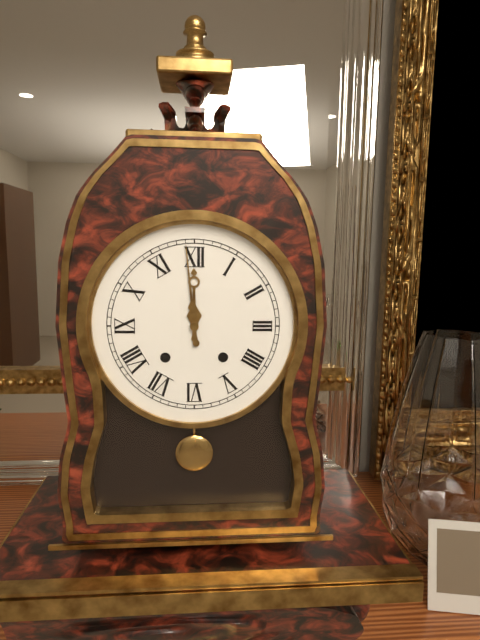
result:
{"hour": 11, "minute": 59}
